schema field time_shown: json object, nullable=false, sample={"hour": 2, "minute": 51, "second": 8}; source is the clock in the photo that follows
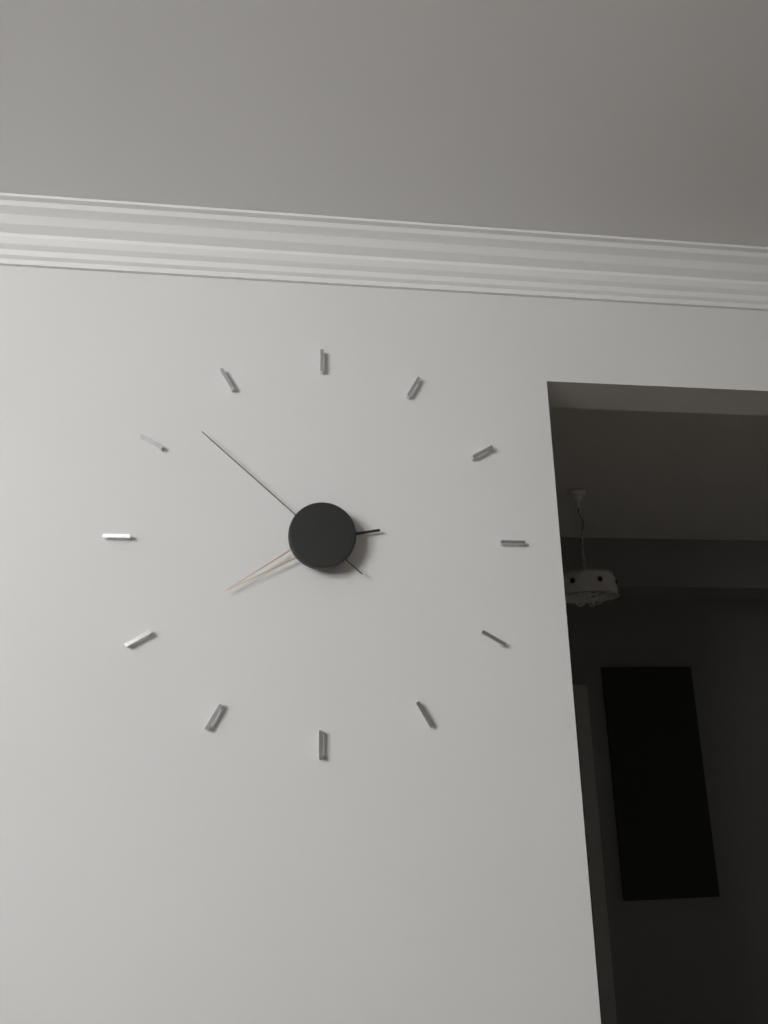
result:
{"hour": 2, "minute": 40, "second": 52}
